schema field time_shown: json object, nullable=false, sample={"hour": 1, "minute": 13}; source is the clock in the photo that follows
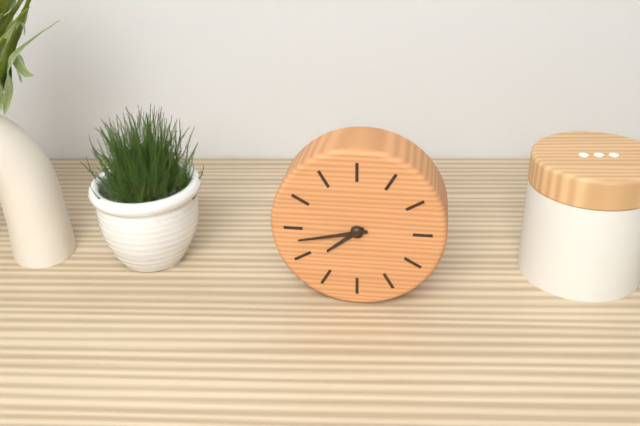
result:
{"hour": 7, "minute": 43}
